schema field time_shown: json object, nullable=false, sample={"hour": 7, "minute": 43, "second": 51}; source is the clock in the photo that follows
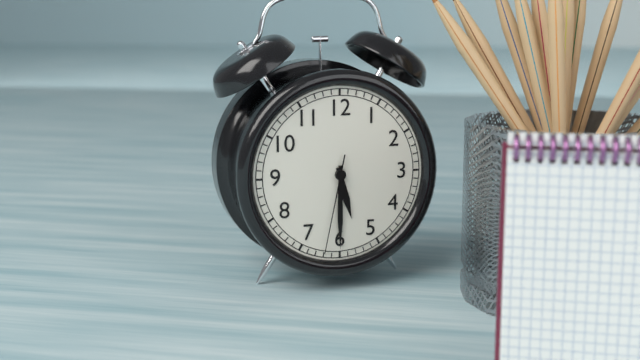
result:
{"hour": 5, "minute": 30, "second": 32}
